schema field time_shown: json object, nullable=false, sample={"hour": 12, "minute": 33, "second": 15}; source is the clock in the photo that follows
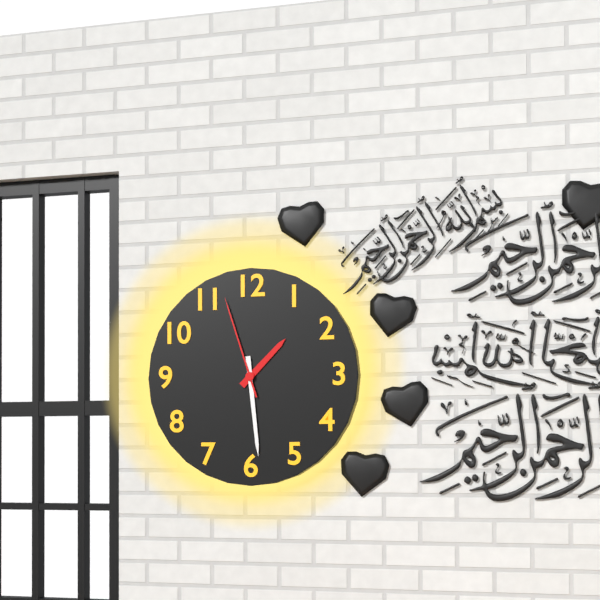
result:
{"hour": 1, "minute": 29, "second": 57}
